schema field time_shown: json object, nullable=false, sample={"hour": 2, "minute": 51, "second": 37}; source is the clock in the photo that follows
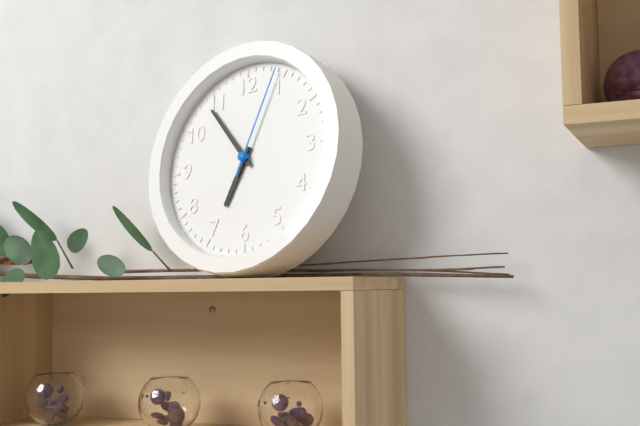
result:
{"hour": 6, "minute": 54, "second": 4}
